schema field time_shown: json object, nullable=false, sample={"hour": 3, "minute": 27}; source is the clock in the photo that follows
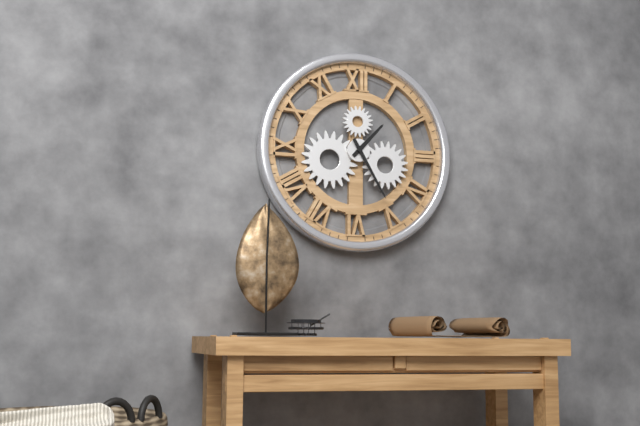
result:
{"hour": 1, "minute": 25}
